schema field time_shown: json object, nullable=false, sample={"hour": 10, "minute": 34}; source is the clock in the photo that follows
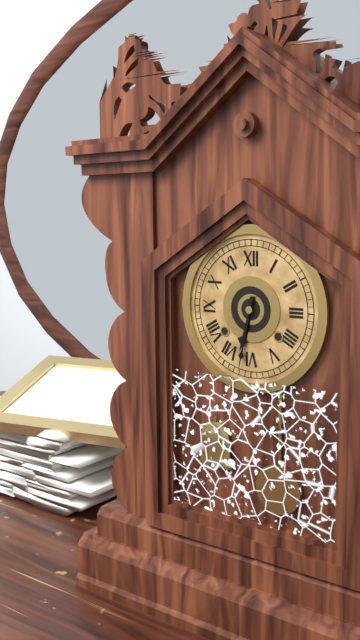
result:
{"hour": 6, "minute": 32}
